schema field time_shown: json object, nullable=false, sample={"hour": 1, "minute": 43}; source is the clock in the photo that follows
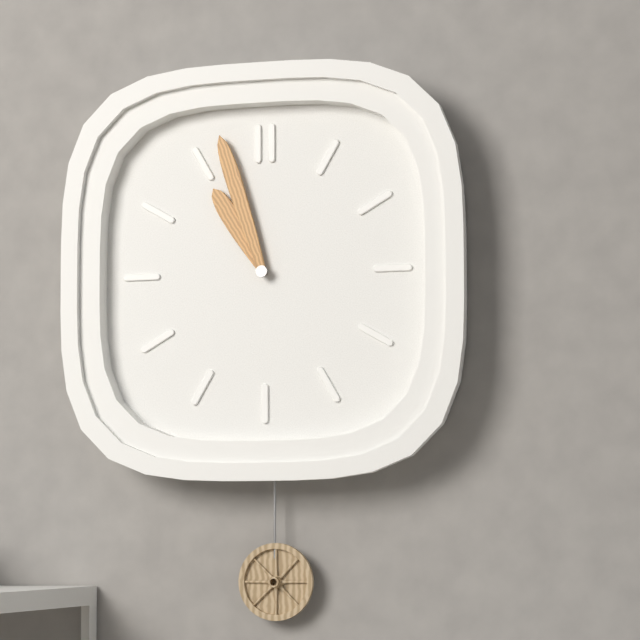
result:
{"hour": 10, "minute": 57}
